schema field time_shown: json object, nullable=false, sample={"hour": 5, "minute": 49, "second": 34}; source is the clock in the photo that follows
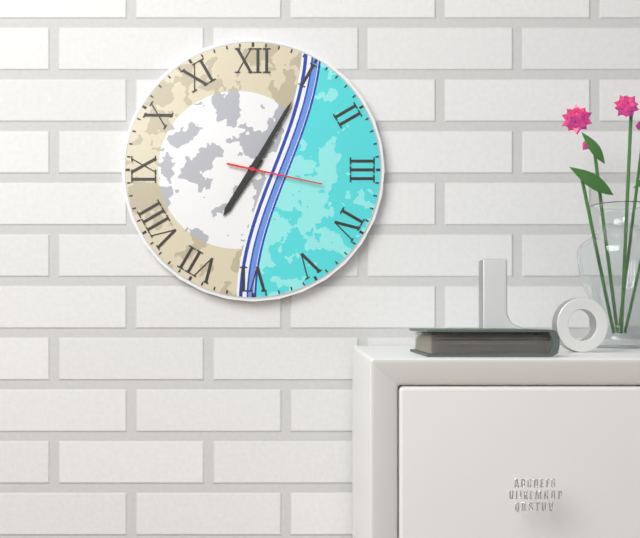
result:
{"hour": 7, "minute": 5, "second": 17}
